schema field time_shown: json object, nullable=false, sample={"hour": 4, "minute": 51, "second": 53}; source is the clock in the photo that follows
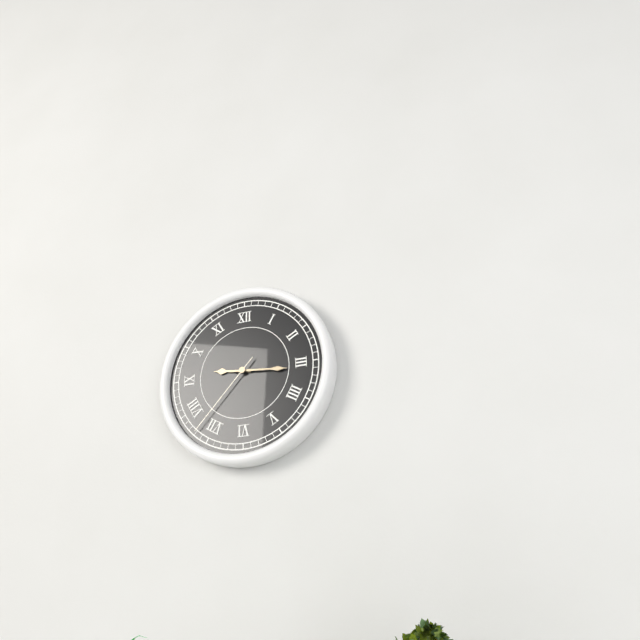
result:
{"hour": 9, "minute": 16, "second": 37}
